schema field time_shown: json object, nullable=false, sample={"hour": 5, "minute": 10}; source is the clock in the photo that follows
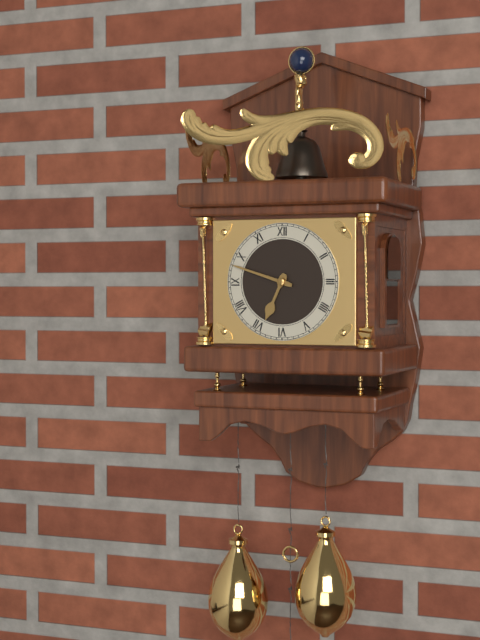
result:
{"hour": 6, "minute": 48}
